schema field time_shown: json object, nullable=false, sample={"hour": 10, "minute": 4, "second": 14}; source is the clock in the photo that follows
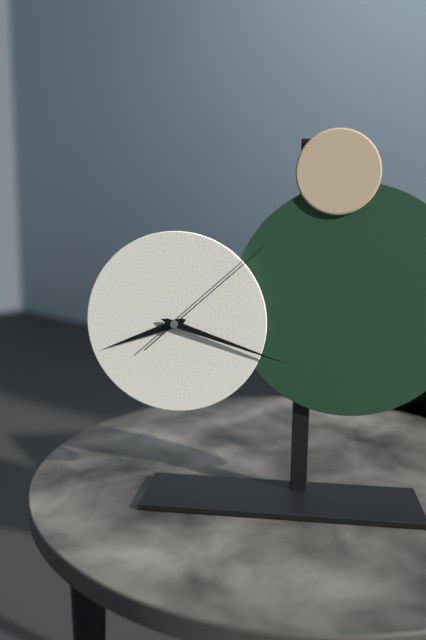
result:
{"hour": 8, "minute": 18, "second": 8}
